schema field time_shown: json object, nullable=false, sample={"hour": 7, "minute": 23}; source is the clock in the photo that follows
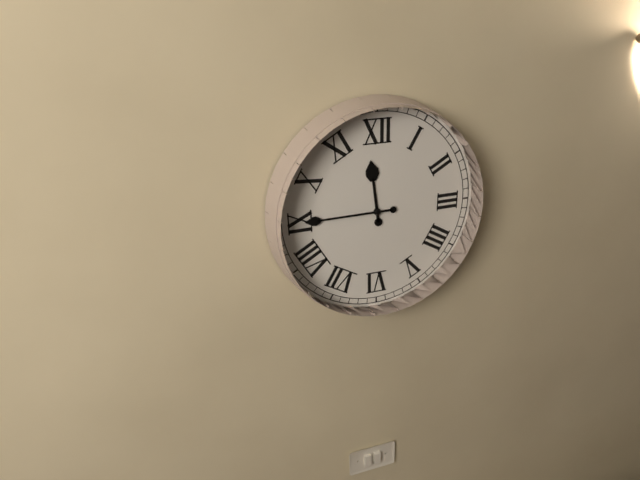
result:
{"hour": 11, "minute": 45}
